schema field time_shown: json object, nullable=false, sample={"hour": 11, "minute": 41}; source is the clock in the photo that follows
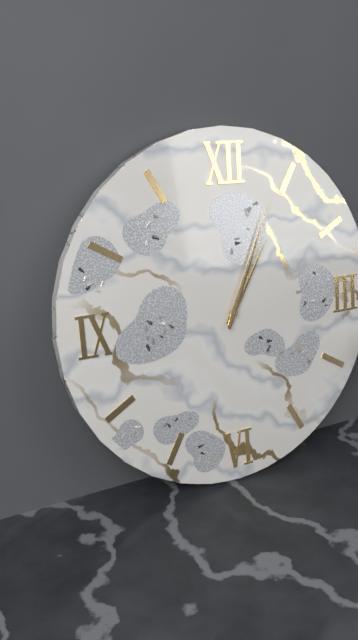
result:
{"hour": 1, "minute": 4}
